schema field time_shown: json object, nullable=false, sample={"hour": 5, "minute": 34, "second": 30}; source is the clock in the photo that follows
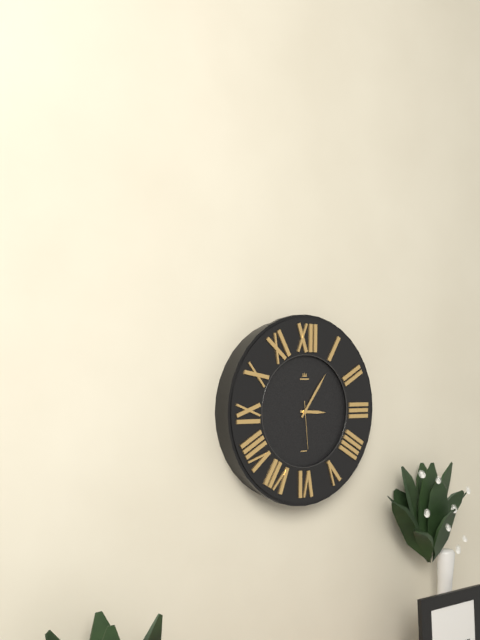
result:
{"hour": 3, "minute": 6, "second": 29}
